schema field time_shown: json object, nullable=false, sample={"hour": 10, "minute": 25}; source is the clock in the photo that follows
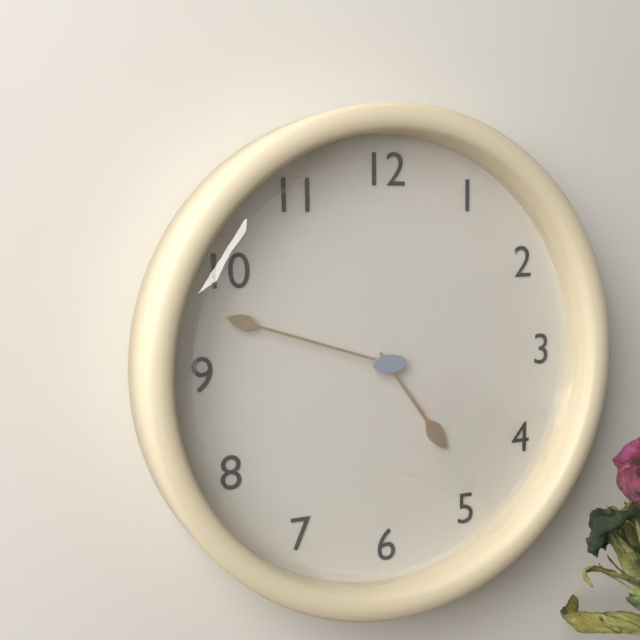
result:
{"hour": 4, "minute": 48}
